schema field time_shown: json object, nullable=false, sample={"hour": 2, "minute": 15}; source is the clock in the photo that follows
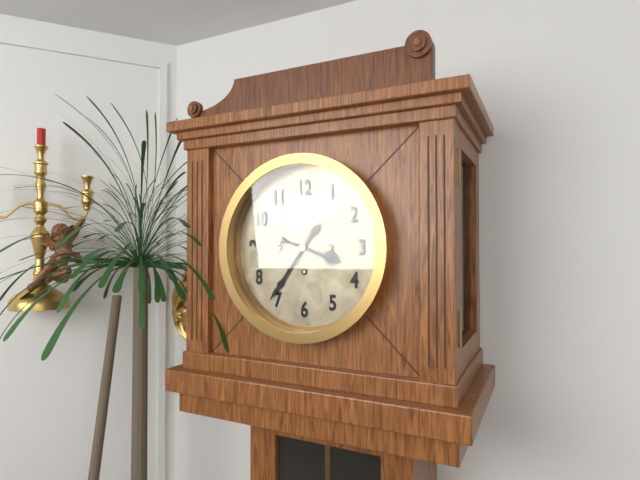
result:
{"hour": 3, "minute": 36}
